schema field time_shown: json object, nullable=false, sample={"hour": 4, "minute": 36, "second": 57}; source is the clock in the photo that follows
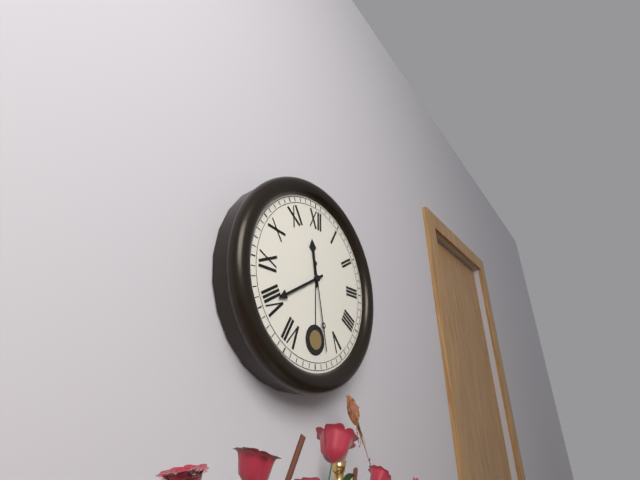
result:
{"hour": 11, "minute": 40, "second": 28}
